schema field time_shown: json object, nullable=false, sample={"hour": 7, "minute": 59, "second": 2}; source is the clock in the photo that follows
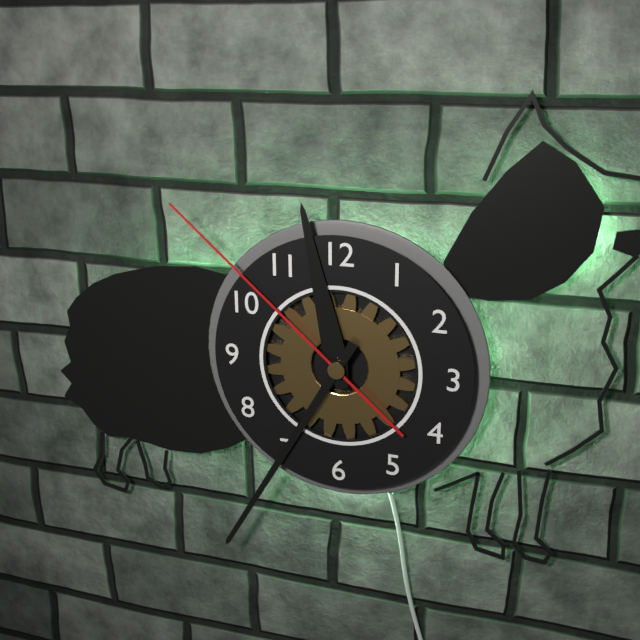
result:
{"hour": 11, "minute": 35, "second": 52}
